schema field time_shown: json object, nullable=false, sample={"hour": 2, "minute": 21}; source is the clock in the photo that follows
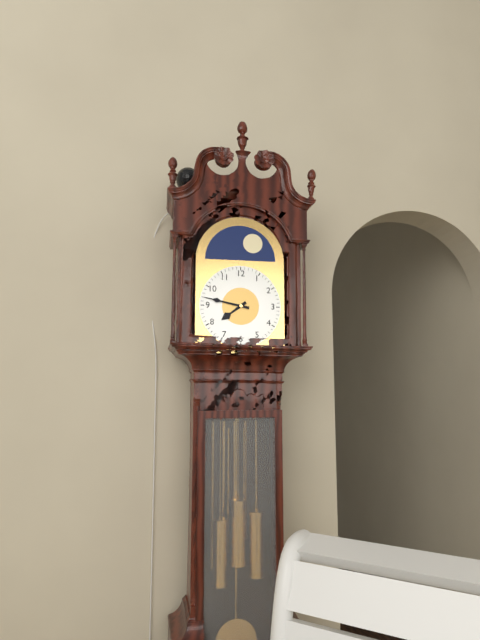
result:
{"hour": 7, "minute": 47}
